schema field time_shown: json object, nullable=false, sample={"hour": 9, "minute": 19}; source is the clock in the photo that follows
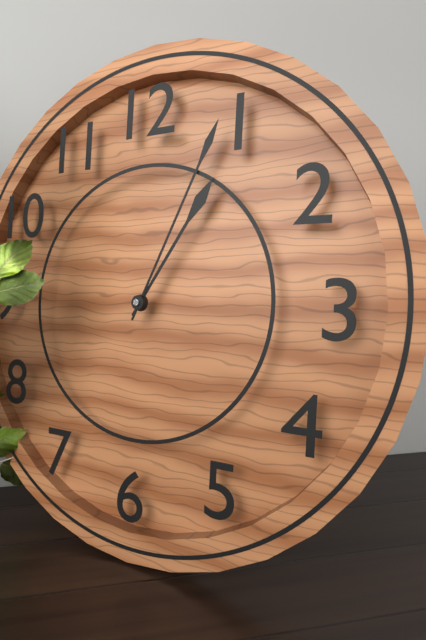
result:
{"hour": 1, "minute": 4}
